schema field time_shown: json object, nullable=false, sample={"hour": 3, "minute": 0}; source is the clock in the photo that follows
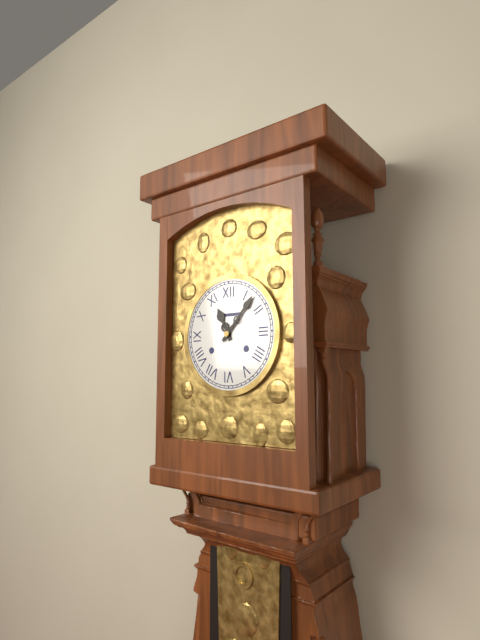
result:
{"hour": 11, "minute": 7}
